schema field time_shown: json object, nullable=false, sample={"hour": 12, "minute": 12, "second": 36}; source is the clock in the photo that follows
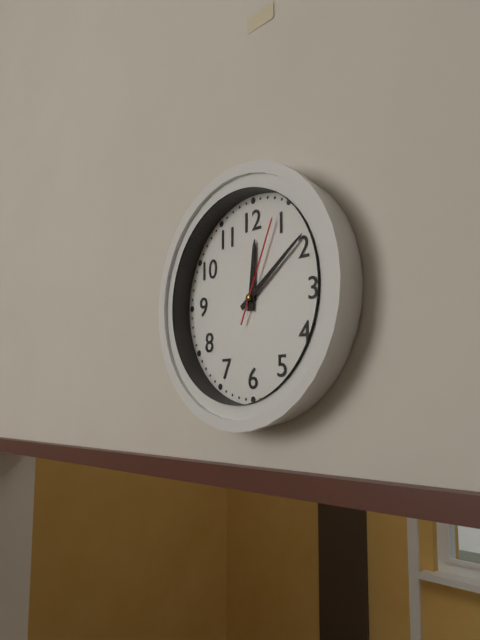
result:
{"hour": 12, "minute": 9, "second": 4}
